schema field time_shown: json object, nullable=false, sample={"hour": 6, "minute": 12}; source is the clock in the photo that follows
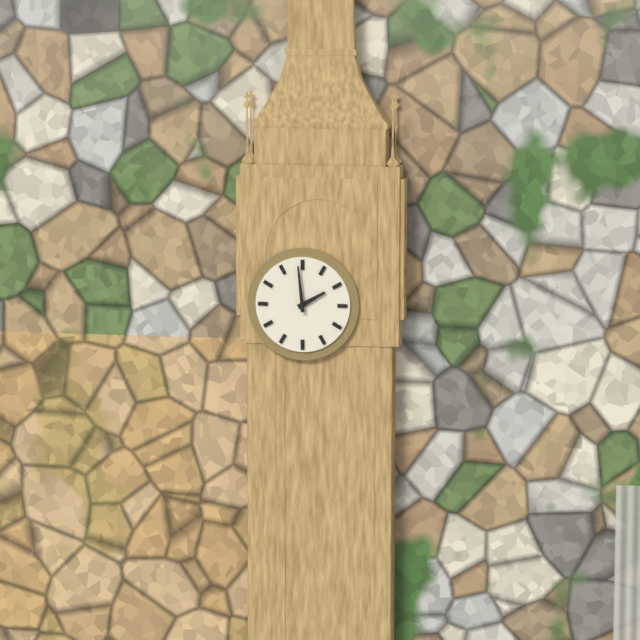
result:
{"hour": 1, "minute": 59}
